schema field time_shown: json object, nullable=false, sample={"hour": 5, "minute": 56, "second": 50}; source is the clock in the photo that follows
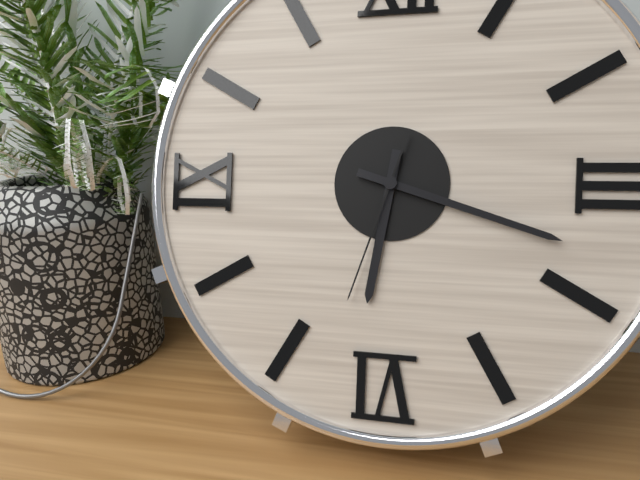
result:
{"hour": 6, "minute": 18, "second": 33}
